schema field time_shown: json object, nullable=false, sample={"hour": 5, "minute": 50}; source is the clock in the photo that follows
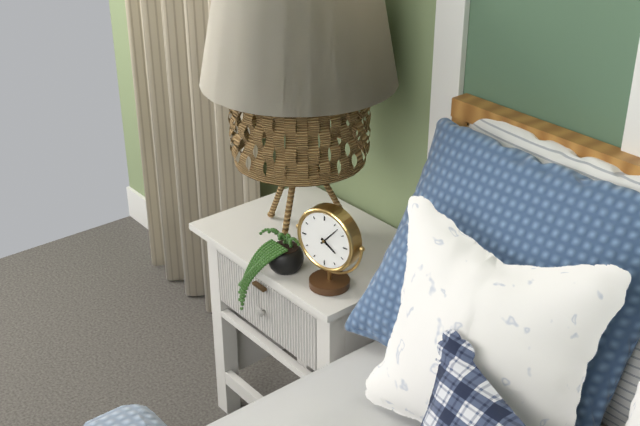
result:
{"hour": 4, "minute": 7}
